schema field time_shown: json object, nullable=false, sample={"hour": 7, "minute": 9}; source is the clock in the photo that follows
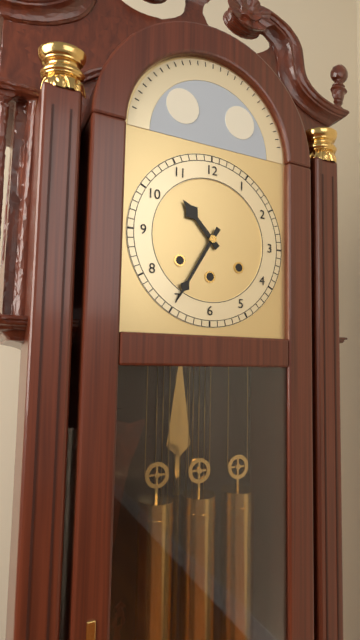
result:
{"hour": 10, "minute": 35}
